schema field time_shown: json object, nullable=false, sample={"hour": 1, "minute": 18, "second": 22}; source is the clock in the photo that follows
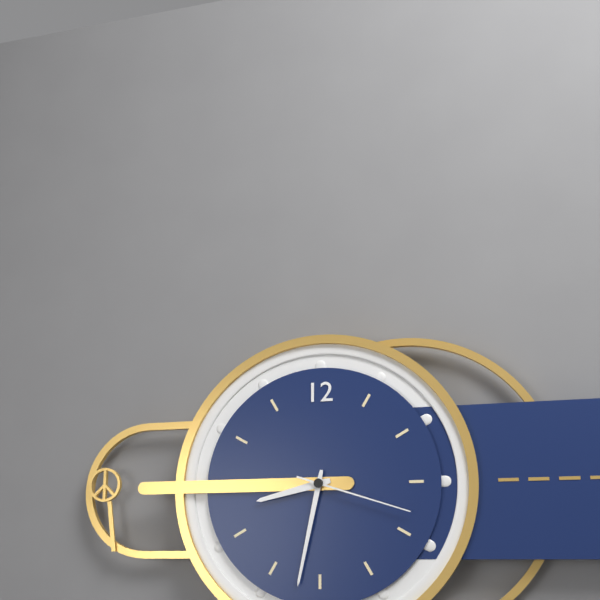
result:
{"hour": 8, "minute": 32, "second": 18}
